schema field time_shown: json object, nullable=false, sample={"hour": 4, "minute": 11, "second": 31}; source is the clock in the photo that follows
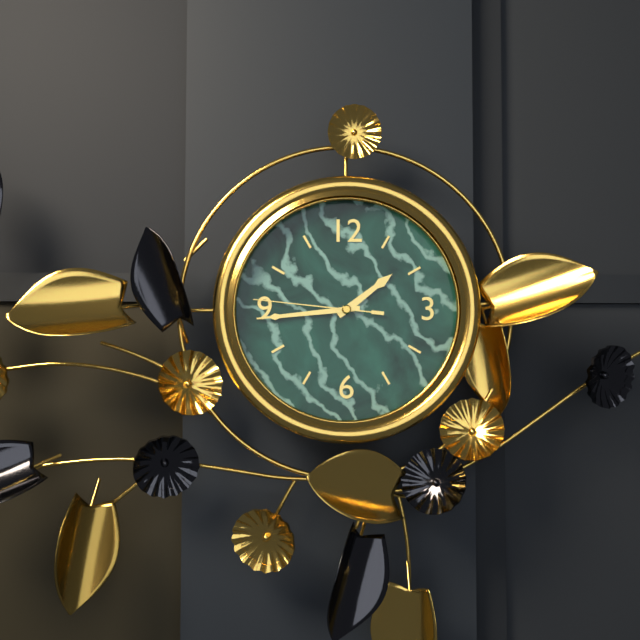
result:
{"hour": 1, "minute": 44, "second": 46}
